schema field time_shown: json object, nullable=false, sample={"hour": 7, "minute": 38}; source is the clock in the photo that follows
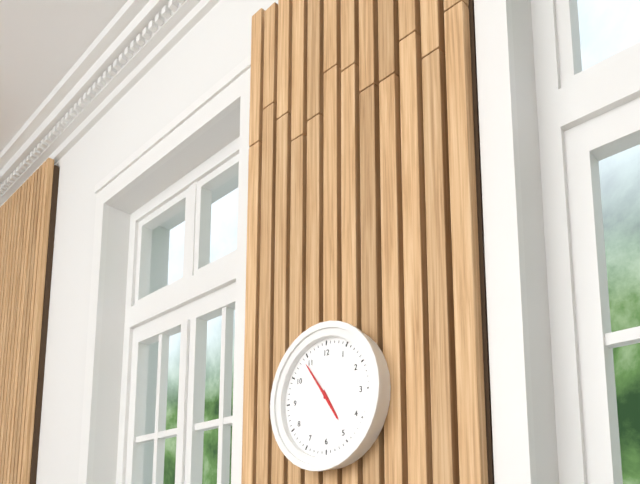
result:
{"hour": 4, "minute": 54}
